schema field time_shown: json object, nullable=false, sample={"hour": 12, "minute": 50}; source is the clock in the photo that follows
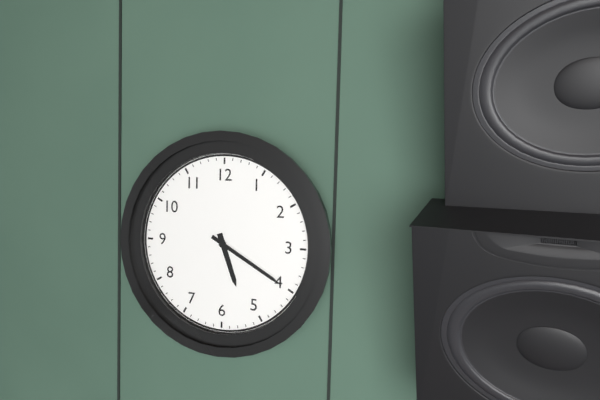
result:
{"hour": 5, "minute": 20}
